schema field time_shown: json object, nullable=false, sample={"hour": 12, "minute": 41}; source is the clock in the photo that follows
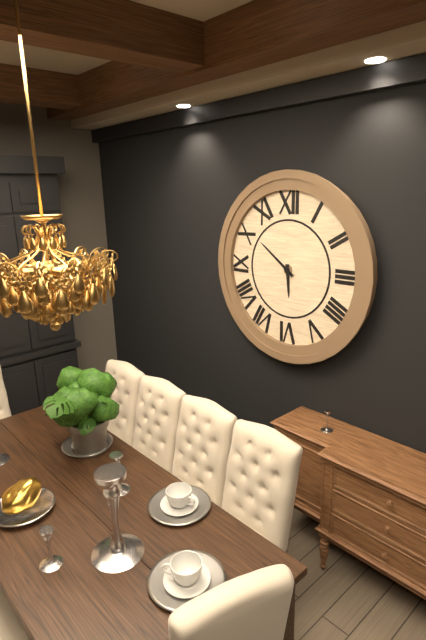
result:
{"hour": 5, "minute": 51}
